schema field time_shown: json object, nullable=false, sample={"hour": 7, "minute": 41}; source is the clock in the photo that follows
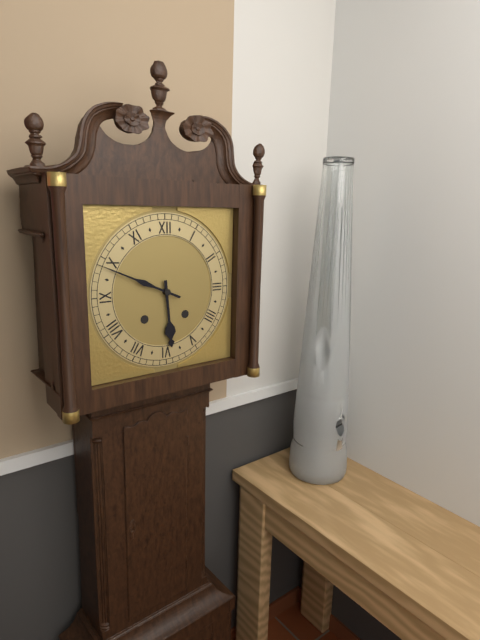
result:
{"hour": 5, "minute": 49}
